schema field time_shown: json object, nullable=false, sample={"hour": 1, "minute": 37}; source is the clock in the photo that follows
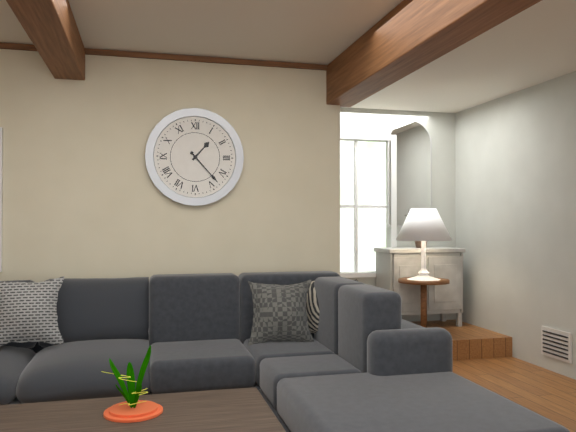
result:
{"hour": 1, "minute": 23}
